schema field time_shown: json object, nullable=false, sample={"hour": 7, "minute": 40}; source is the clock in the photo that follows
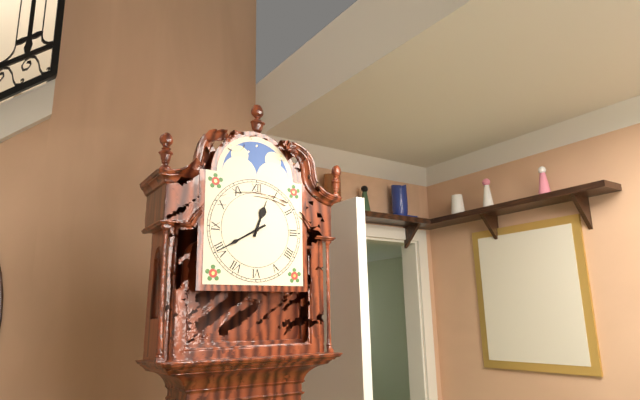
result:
{"hour": 12, "minute": 40}
